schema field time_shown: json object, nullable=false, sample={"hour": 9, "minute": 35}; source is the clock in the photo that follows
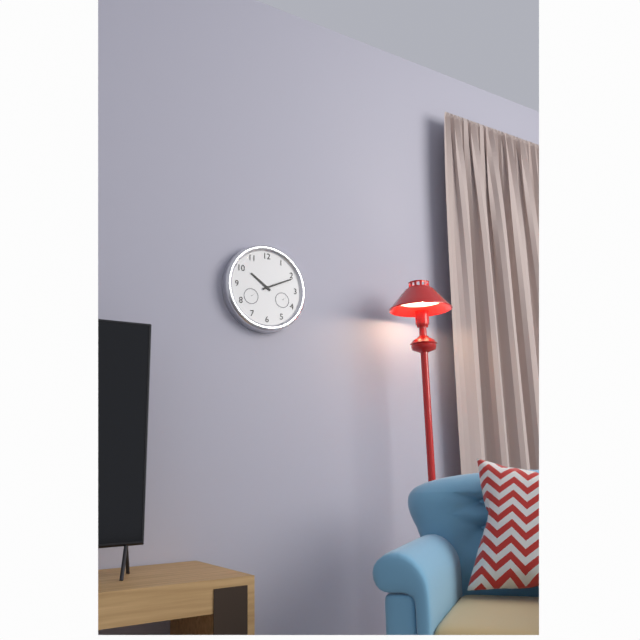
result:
{"hour": 10, "minute": 11}
